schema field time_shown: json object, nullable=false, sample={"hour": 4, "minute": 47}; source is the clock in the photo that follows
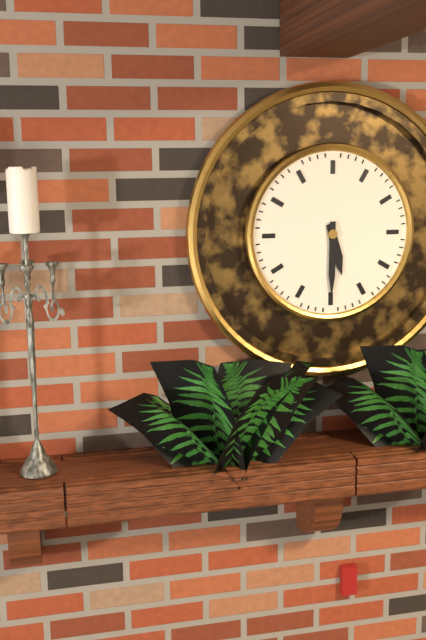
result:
{"hour": 5, "minute": 30}
